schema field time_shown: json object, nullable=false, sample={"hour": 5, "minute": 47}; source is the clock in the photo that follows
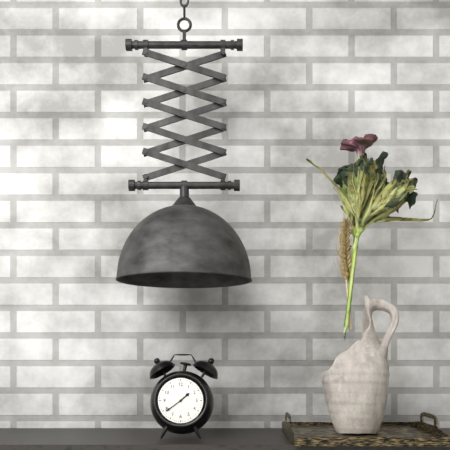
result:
{"hour": 1, "minute": 39}
